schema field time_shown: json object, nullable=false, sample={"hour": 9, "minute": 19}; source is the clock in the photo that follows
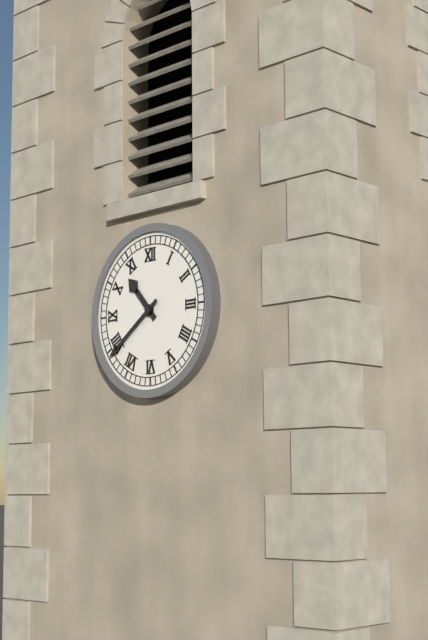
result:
{"hour": 10, "minute": 39}
